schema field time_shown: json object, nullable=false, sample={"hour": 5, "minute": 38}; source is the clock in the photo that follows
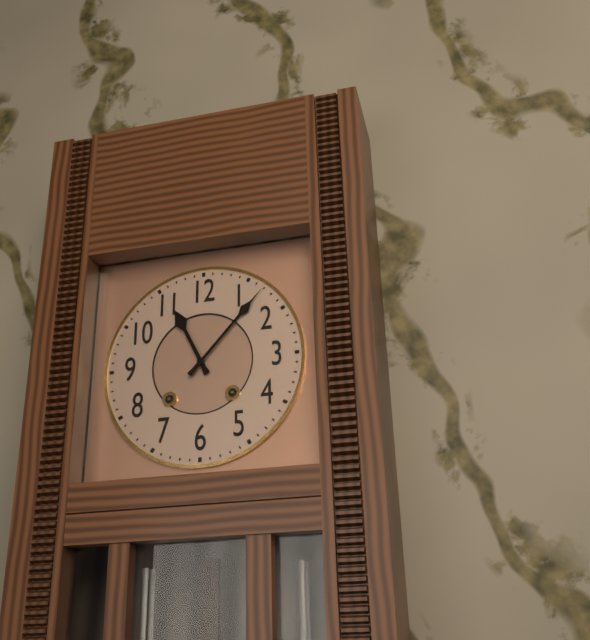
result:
{"hour": 11, "minute": 7}
